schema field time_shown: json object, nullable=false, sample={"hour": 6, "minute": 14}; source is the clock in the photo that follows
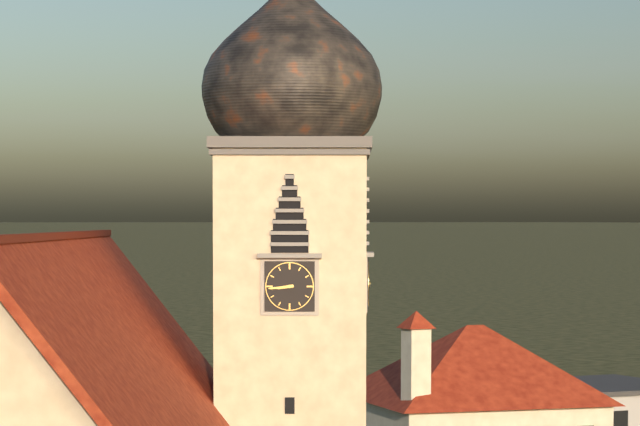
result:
{"hour": 8, "minute": 44}
